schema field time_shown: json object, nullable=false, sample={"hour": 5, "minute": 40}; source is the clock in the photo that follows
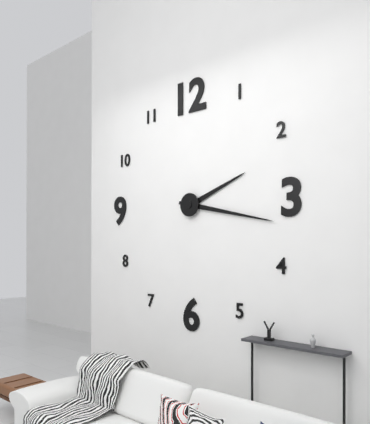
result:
{"hour": 2, "minute": 17}
